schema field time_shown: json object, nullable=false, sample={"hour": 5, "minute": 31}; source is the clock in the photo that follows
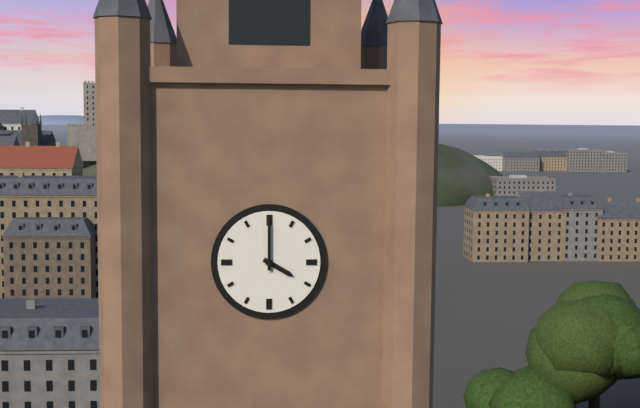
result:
{"hour": 4, "minute": 0}
